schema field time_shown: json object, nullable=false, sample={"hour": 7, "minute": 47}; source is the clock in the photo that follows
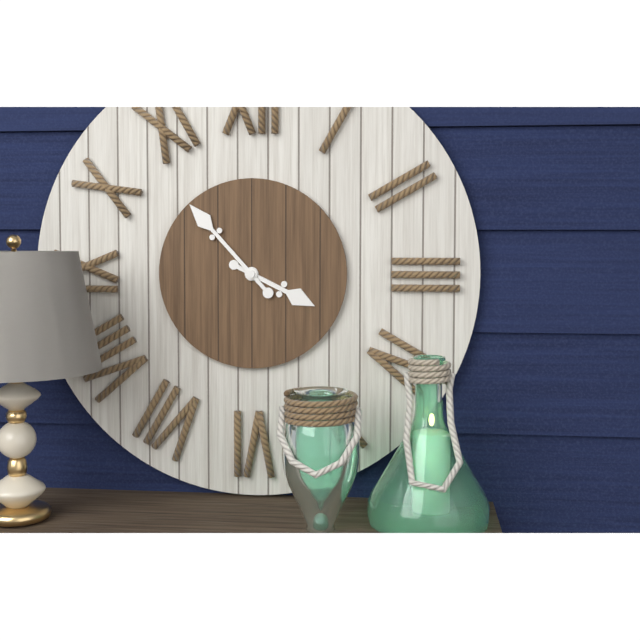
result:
{"hour": 3, "minute": 53}
